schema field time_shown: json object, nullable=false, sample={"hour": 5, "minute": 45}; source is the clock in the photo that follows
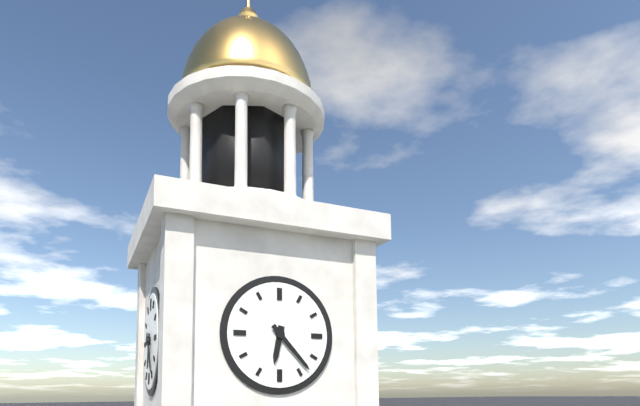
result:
{"hour": 6, "minute": 23}
